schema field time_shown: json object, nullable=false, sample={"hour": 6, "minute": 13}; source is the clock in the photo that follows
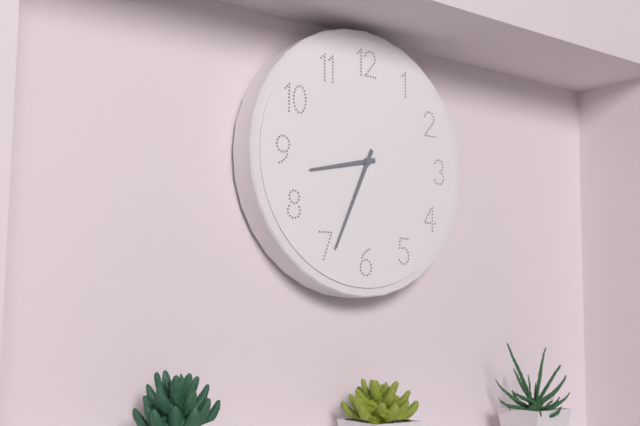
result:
{"hour": 8, "minute": 34}
